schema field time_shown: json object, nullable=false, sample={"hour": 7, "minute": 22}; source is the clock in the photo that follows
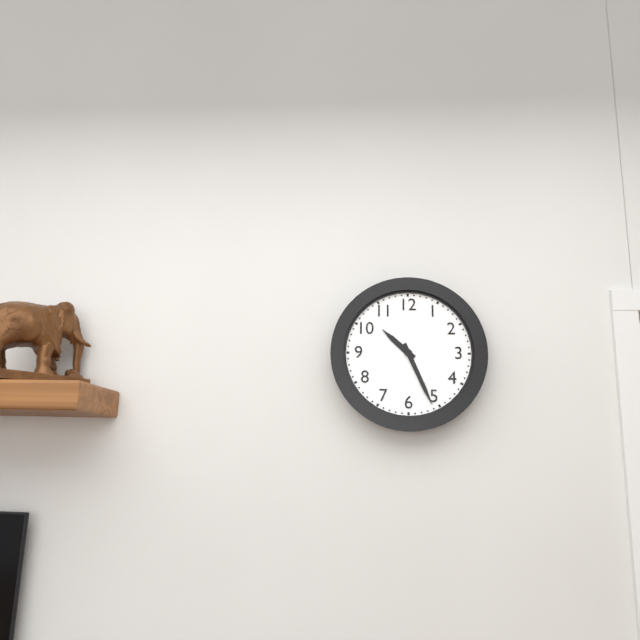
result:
{"hour": 10, "minute": 26}
